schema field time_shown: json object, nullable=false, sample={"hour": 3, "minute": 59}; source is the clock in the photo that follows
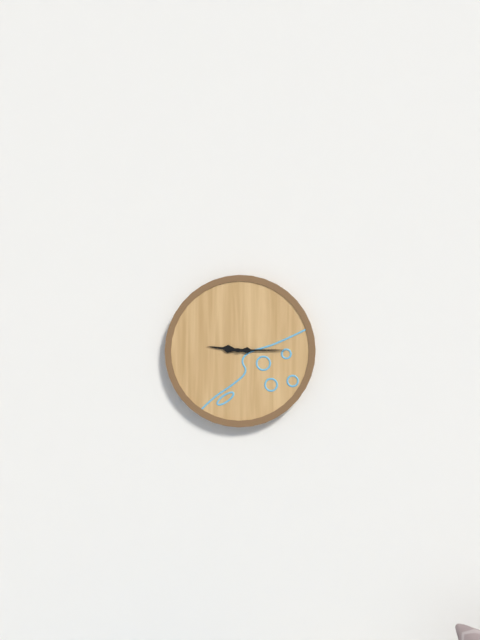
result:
{"hour": 9, "minute": 15}
